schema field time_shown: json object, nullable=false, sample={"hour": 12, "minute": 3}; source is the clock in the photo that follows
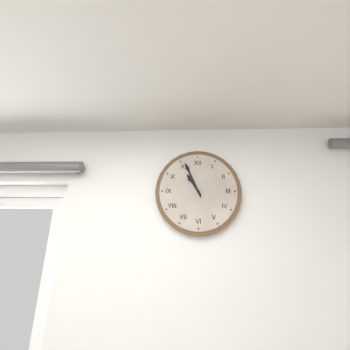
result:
{"hour": 10, "minute": 56}
